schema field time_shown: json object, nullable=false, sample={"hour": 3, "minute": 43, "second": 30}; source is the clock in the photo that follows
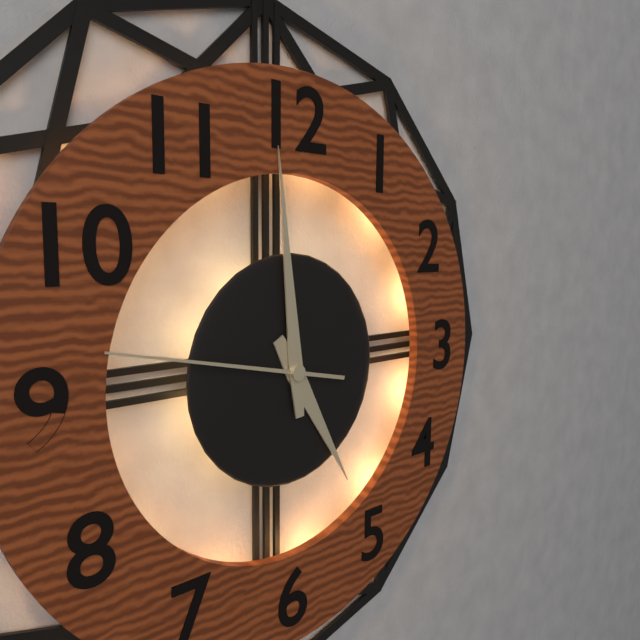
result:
{"hour": 4, "minute": 59, "second": 47}
